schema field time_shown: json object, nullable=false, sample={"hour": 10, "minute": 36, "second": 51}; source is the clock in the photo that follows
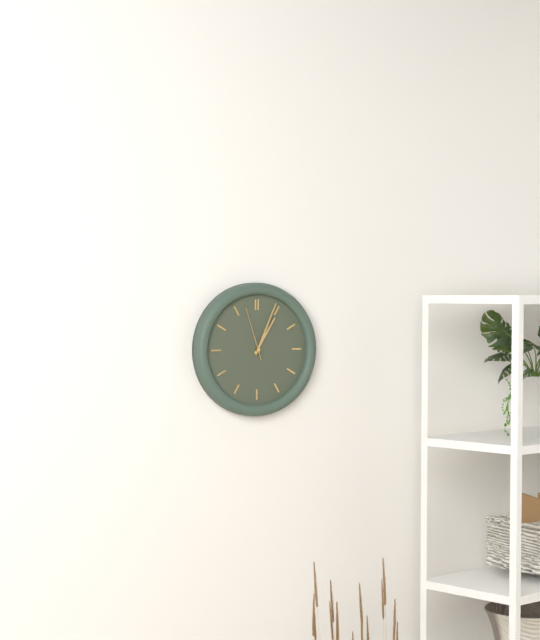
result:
{"hour": 1, "minute": 4, "second": 57}
